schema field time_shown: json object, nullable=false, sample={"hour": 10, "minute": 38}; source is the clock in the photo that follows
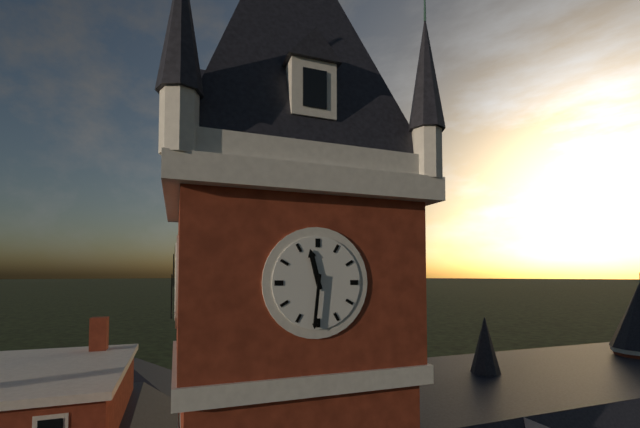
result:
{"hour": 11, "minute": 31}
